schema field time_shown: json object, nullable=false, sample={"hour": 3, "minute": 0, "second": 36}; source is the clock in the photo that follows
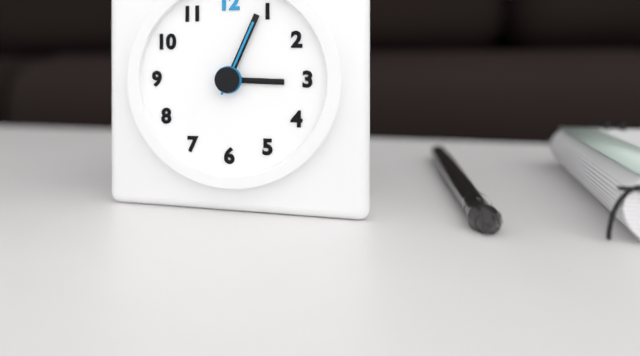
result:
{"hour": 3, "minute": 4, "second": 4}
